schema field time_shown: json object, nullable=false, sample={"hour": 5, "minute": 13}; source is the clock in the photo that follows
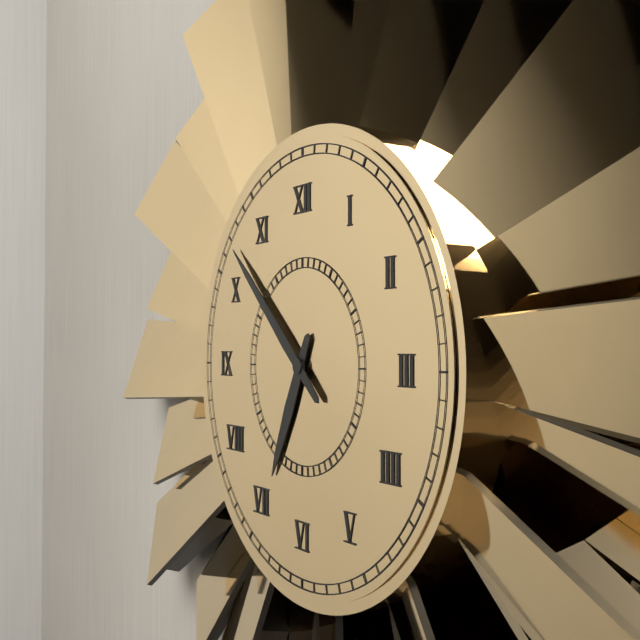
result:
{"hour": 6, "minute": 52}
